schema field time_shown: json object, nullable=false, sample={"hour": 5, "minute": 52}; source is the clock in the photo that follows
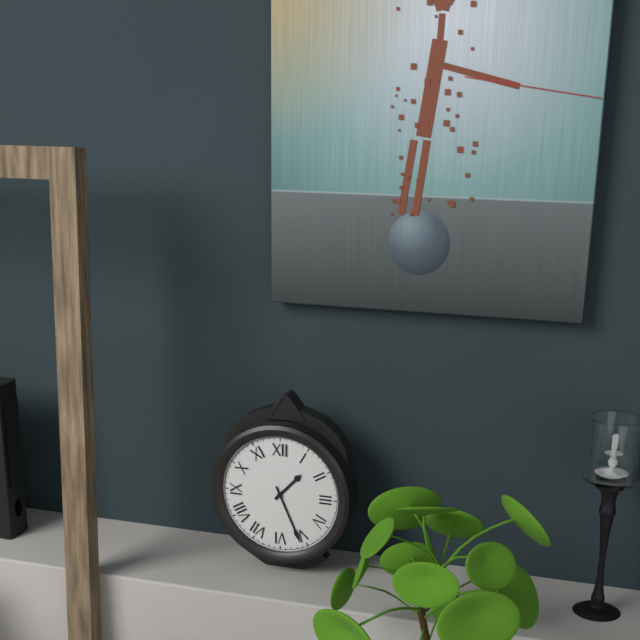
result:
{"hour": 1, "minute": 26}
